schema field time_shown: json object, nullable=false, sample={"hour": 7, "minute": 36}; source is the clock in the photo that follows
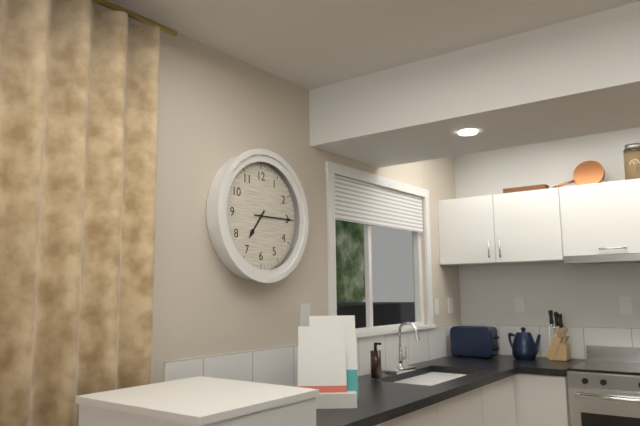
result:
{"hour": 7, "minute": 15}
